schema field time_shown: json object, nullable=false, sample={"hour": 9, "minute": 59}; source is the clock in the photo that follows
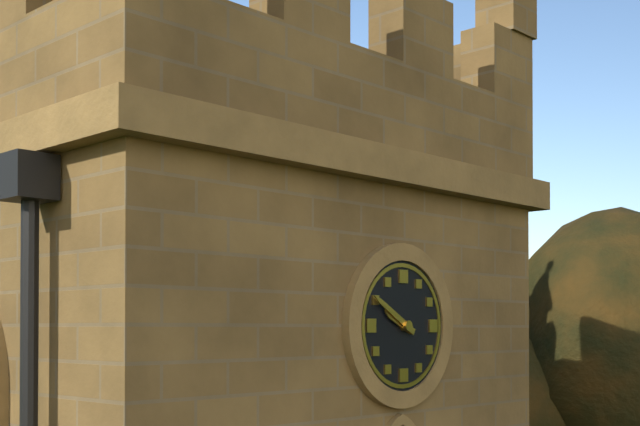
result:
{"hour": 9, "minute": 50}
